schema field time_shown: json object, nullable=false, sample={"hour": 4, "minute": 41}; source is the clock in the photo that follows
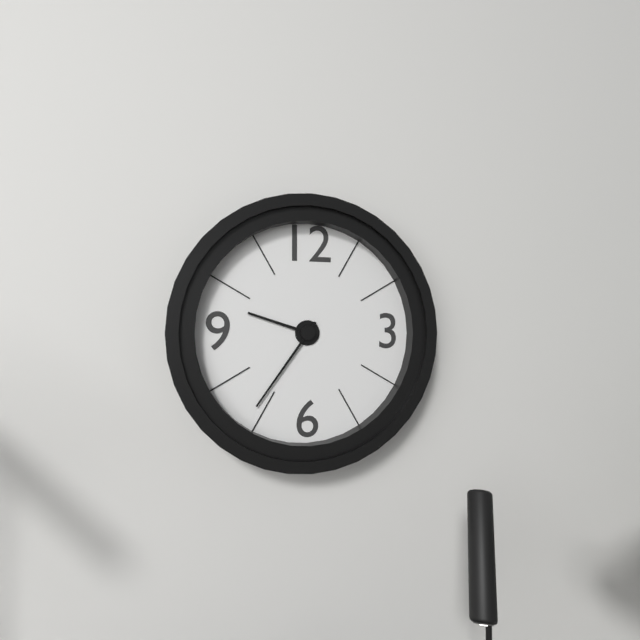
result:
{"hour": 9, "minute": 36}
